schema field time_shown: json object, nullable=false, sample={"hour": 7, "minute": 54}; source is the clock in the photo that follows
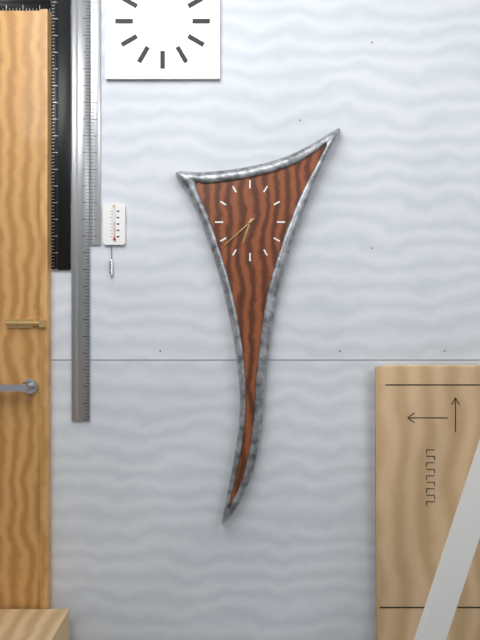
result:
{"hour": 6, "minute": 38}
